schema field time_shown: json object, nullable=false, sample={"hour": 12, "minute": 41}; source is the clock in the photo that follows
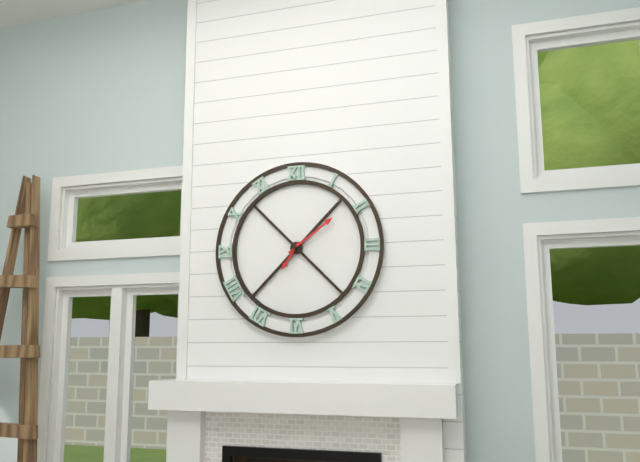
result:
{"hour": 7, "minute": 9}
